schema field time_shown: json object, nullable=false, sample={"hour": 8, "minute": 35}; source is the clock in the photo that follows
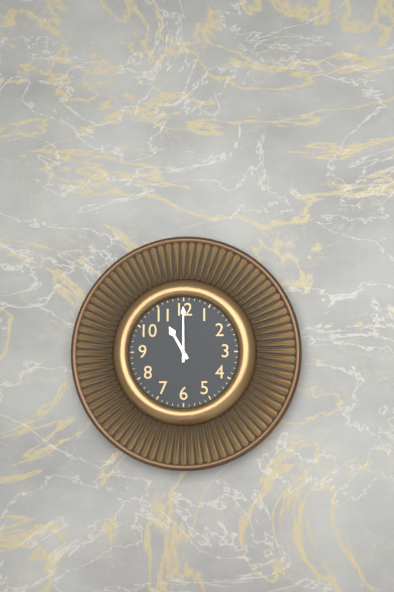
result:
{"hour": 11, "minute": 0}
